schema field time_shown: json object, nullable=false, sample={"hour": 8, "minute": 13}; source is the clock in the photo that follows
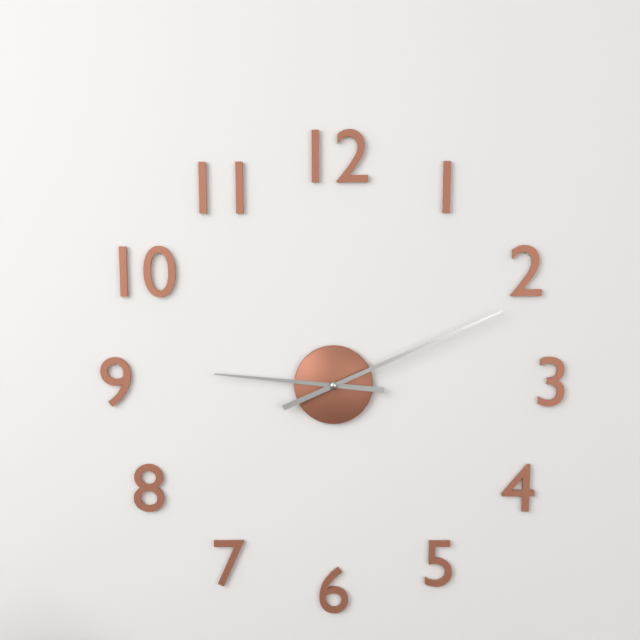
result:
{"hour": 9, "minute": 11}
